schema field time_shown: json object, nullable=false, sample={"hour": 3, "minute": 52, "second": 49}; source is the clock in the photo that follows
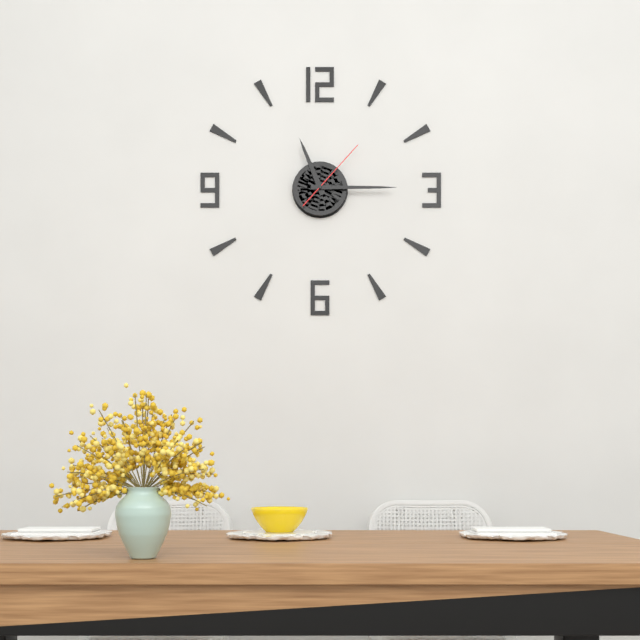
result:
{"hour": 11, "minute": 15, "second": 7}
